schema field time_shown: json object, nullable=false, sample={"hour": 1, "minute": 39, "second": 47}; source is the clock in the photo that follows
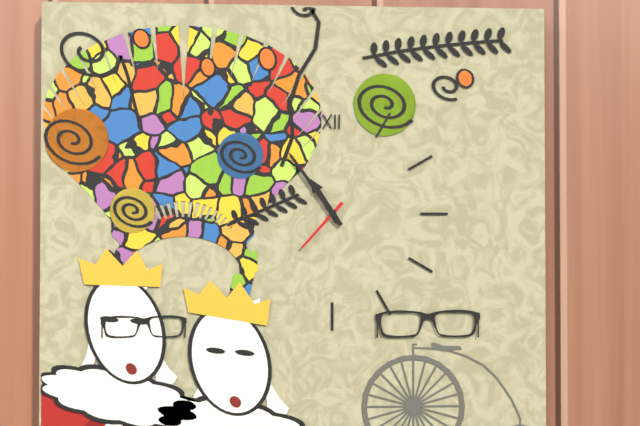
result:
{"hour": 10, "minute": 54, "second": 37}
